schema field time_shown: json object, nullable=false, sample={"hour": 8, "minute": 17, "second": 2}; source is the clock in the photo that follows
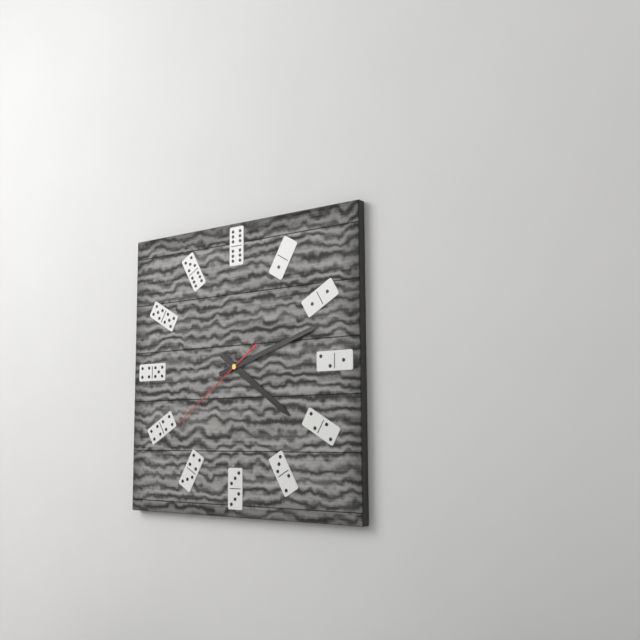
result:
{"hour": 4, "minute": 12, "second": 39}
